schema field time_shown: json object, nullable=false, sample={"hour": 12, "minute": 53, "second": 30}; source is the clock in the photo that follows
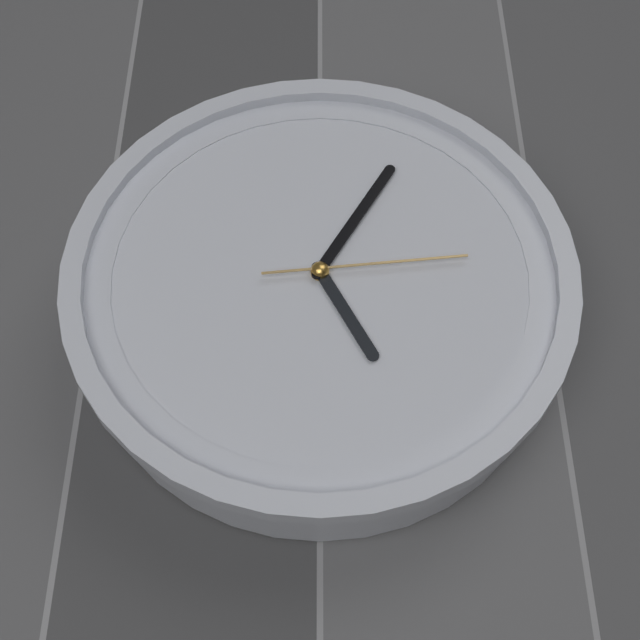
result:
{"hour": 5, "minute": 5, "second": 14}
